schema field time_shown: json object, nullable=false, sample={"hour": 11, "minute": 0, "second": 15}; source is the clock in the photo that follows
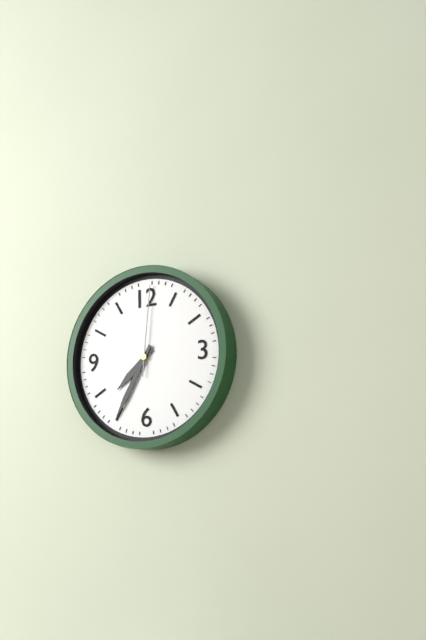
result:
{"hour": 7, "minute": 35, "second": 1}
